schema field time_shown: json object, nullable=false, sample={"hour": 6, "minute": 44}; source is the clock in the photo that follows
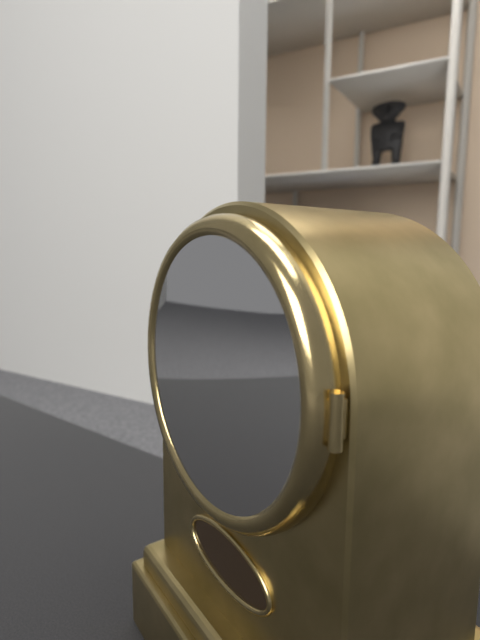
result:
{"hour": 3, "minute": 9}
